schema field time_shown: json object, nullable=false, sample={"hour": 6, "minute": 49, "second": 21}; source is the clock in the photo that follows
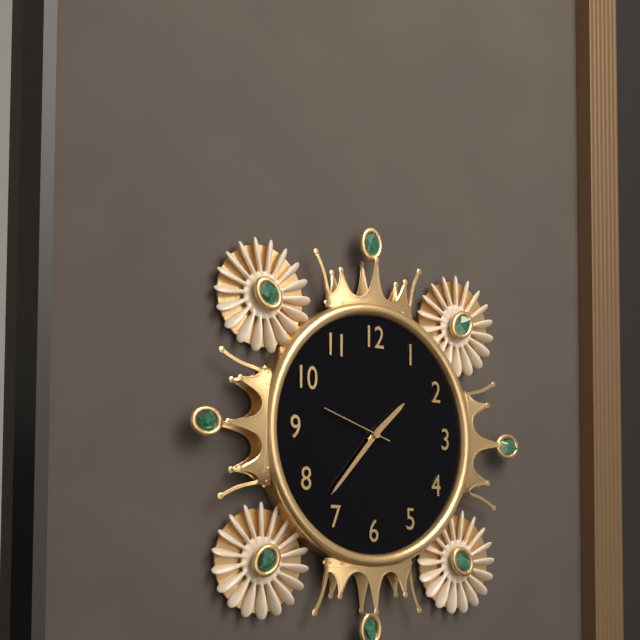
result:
{"hour": 1, "minute": 37, "second": 48}
